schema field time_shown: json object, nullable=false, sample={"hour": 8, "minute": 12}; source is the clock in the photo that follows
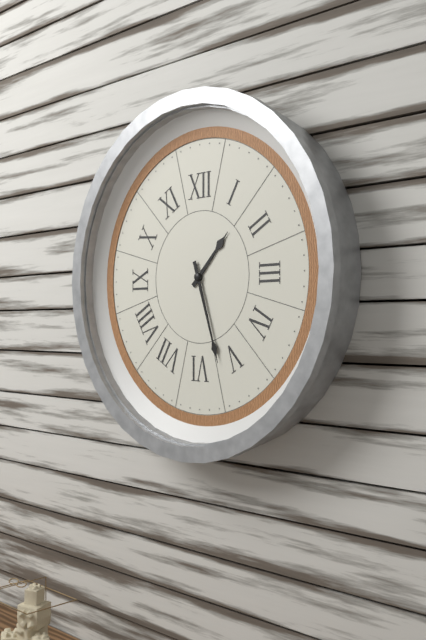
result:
{"hour": 1, "minute": 27}
